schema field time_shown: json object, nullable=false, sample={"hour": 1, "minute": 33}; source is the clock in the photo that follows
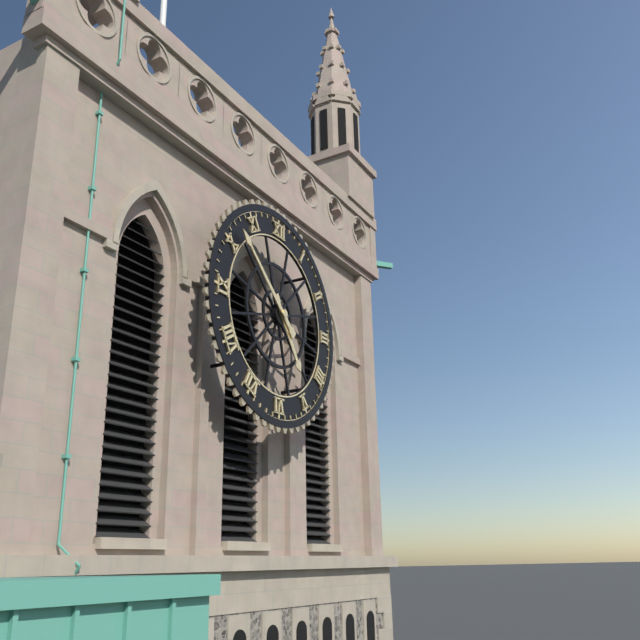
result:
{"hour": 4, "minute": 52}
